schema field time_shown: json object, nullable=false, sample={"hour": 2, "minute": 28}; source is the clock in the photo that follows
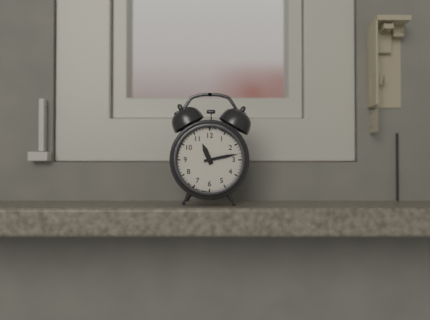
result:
{"hour": 11, "minute": 13}
